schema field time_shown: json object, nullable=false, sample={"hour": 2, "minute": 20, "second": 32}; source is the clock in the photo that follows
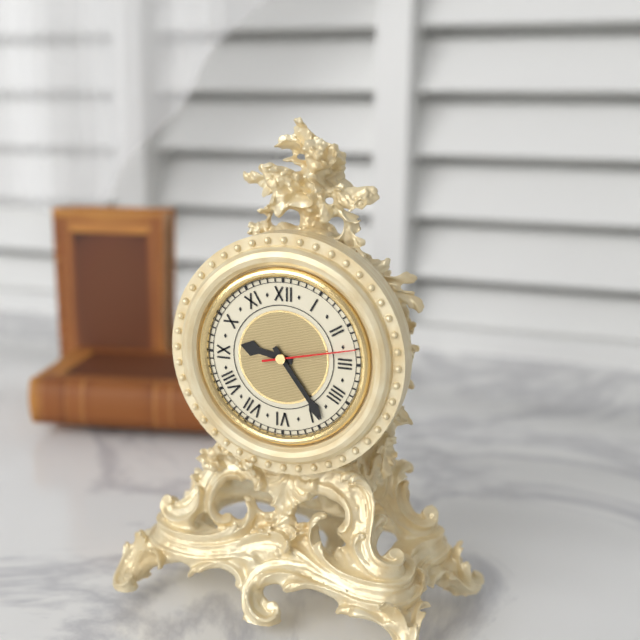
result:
{"hour": 9, "minute": 24, "second": 13}
